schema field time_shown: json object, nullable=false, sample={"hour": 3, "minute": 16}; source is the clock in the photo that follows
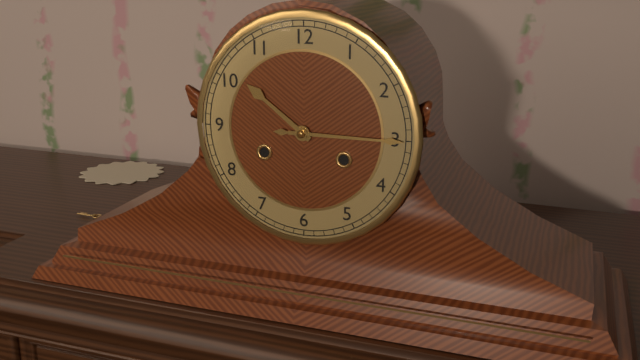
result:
{"hour": 10, "minute": 15}
